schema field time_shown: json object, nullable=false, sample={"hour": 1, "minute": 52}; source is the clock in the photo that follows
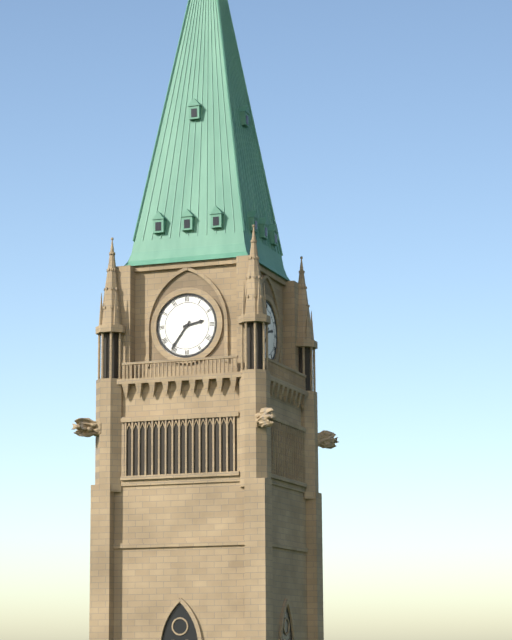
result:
{"hour": 2, "minute": 36}
